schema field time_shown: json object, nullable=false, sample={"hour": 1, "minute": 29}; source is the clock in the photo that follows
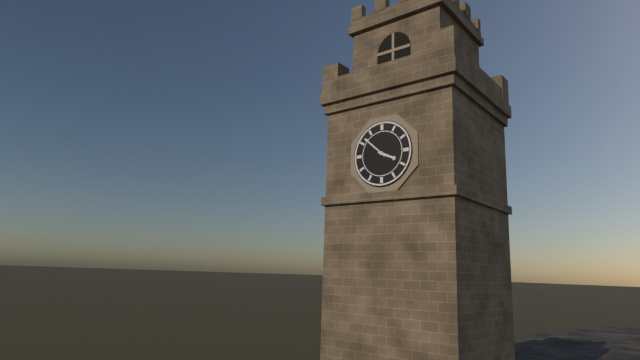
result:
{"hour": 3, "minute": 52}
